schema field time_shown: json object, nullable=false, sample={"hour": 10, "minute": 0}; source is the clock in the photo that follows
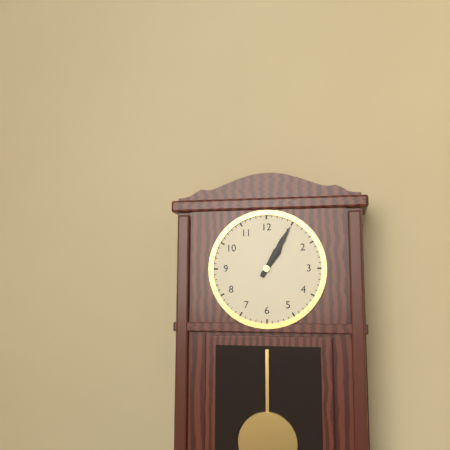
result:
{"hour": 1, "minute": 5}
